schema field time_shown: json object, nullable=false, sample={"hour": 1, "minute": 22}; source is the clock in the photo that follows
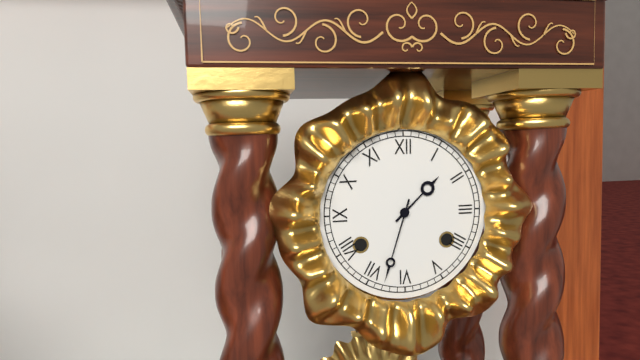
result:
{"hour": 1, "minute": 33}
